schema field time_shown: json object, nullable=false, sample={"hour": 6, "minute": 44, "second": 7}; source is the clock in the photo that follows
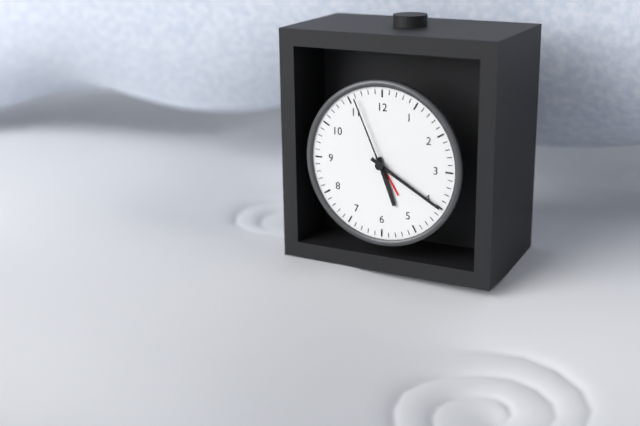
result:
{"hour": 5, "minute": 20, "second": 56}
